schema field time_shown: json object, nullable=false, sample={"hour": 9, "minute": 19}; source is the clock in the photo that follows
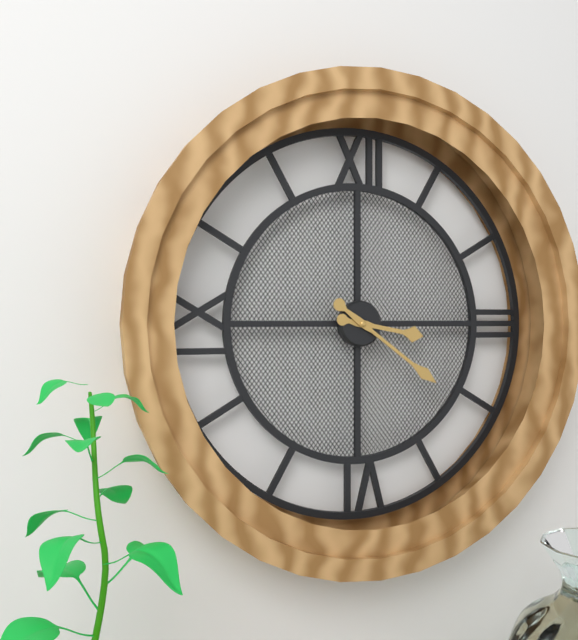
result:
{"hour": 3, "minute": 21}
